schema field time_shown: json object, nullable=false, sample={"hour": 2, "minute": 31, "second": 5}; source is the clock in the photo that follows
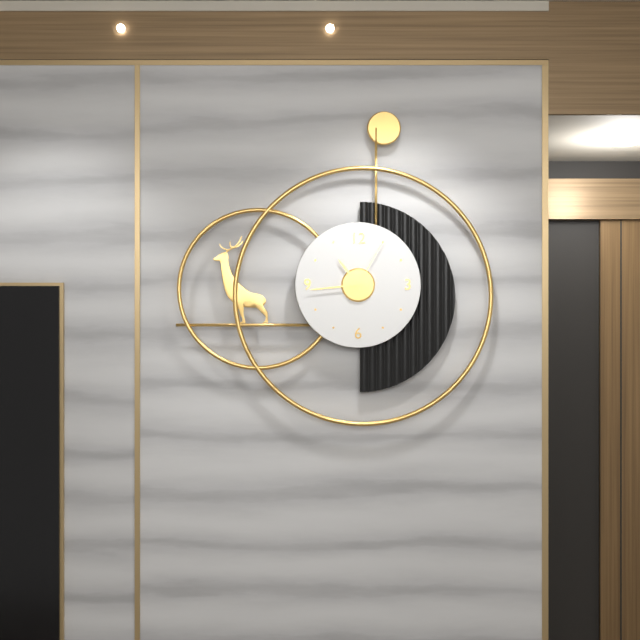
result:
{"hour": 10, "minute": 44, "second": 5}
